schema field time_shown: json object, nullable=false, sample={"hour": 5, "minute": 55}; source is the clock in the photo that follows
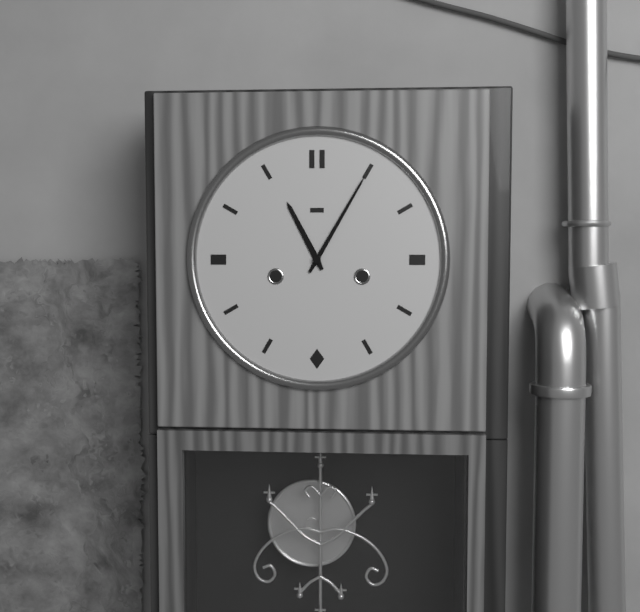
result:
{"hour": 11, "minute": 5}
